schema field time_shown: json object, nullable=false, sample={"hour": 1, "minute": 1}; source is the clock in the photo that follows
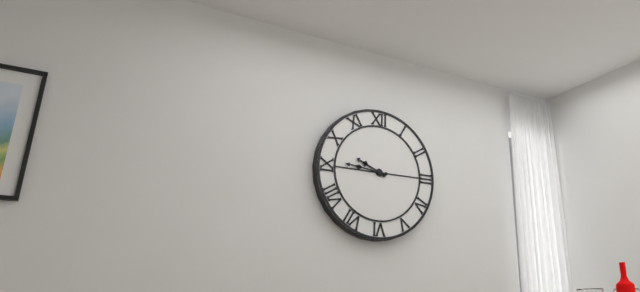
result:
{"hour": 9, "minute": 46}
